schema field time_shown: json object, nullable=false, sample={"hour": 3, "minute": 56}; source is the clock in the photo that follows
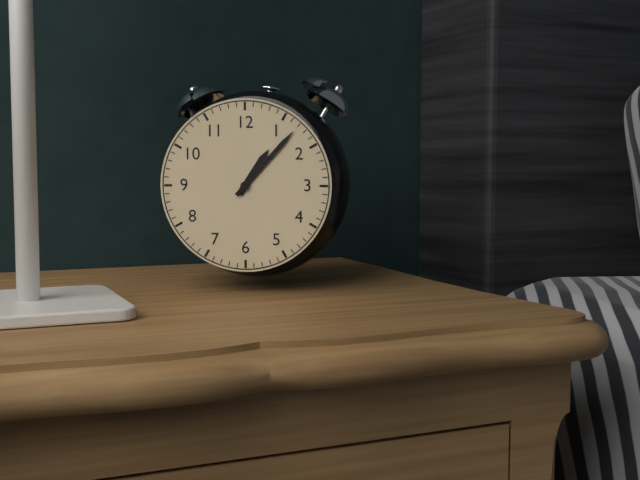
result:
{"hour": 1, "minute": 7}
